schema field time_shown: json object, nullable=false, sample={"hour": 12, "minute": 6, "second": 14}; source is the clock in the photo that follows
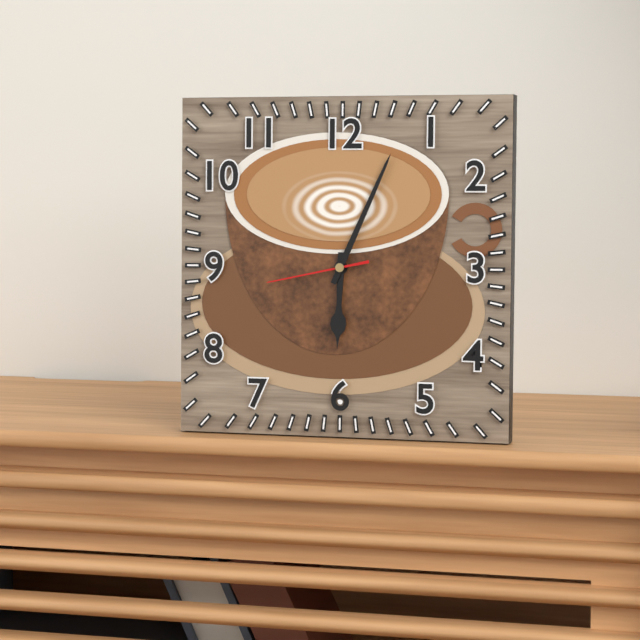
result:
{"hour": 6, "minute": 4, "second": 43}
